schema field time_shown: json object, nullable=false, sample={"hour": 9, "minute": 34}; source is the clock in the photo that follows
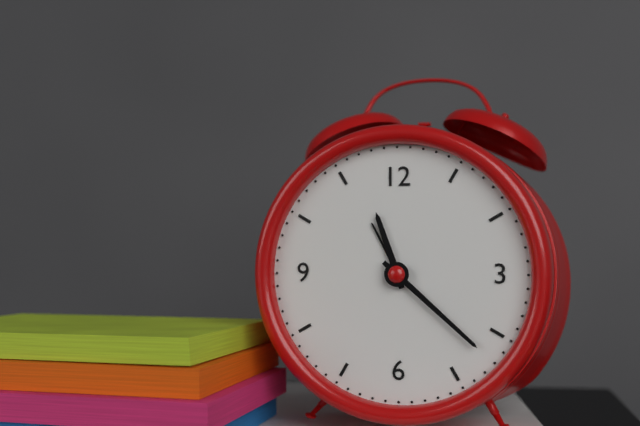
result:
{"hour": 11, "minute": 22}
